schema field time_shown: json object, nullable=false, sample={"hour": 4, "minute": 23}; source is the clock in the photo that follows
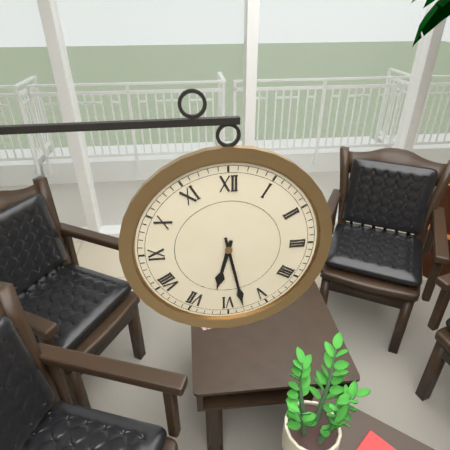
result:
{"hour": 6, "minute": 28}
